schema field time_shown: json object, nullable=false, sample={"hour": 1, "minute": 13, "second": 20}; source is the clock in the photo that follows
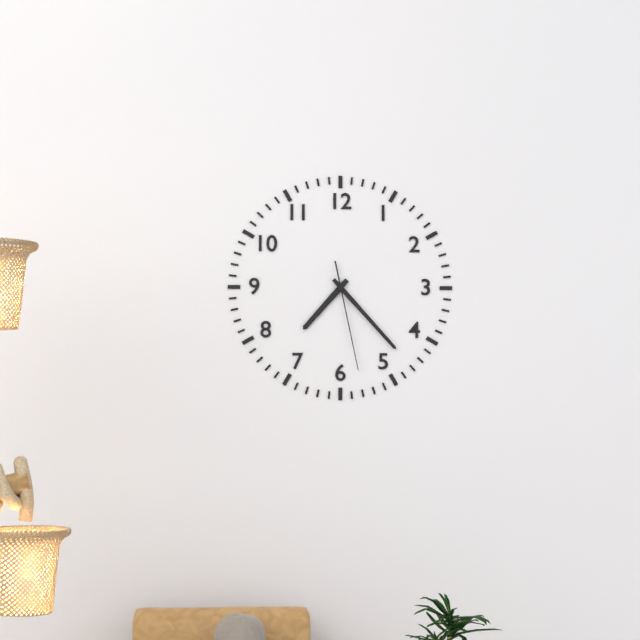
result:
{"hour": 7, "minute": 23, "second": 28}
